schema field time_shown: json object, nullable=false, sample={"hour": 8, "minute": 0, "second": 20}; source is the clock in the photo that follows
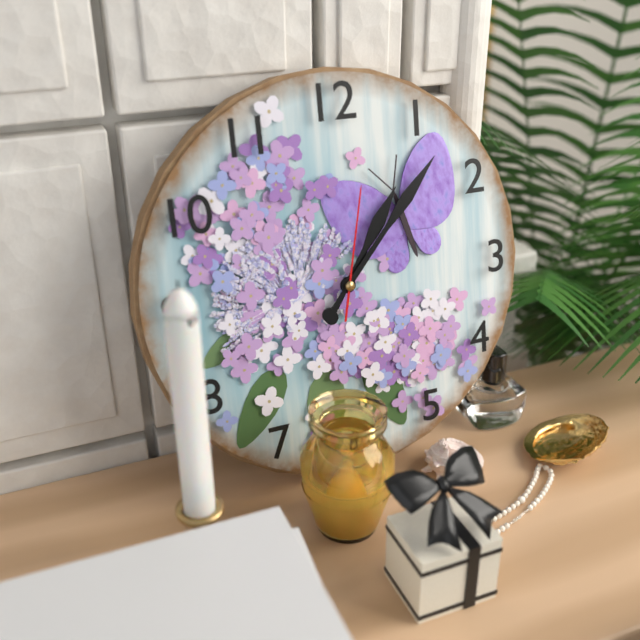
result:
{"hour": 1, "minute": 7, "second": 2}
